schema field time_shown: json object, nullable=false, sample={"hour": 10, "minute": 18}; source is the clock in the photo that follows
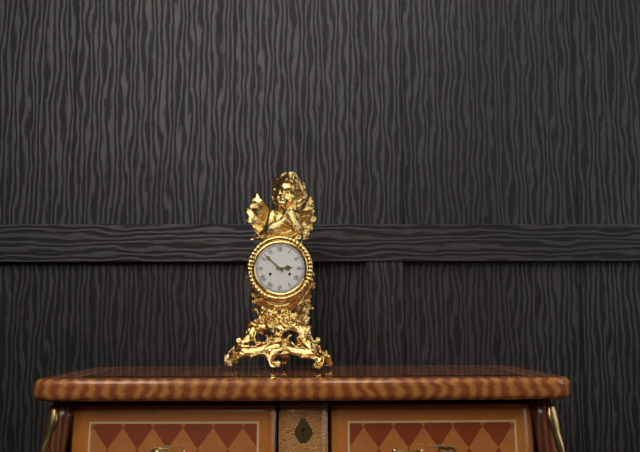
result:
{"hour": 2, "minute": 52}
